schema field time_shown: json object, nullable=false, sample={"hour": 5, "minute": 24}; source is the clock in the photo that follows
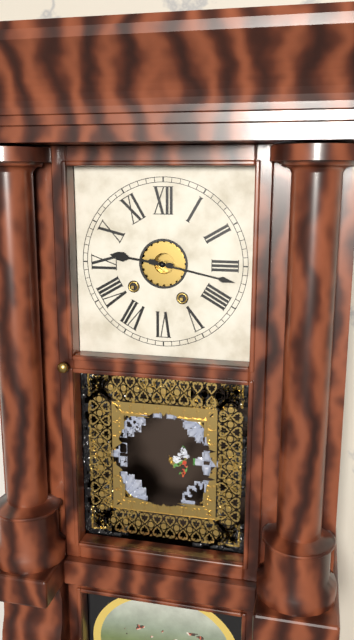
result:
{"hour": 9, "minute": 17}
